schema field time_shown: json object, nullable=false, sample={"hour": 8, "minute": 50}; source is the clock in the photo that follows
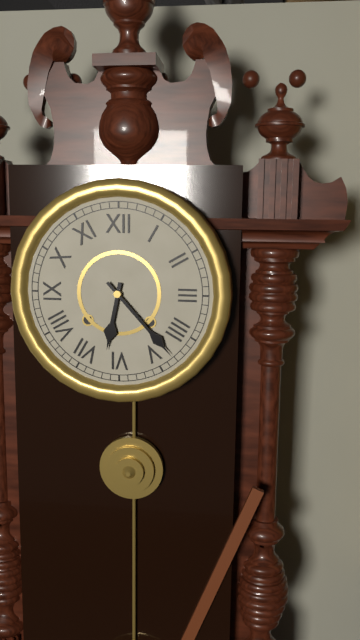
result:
{"hour": 6, "minute": 23}
